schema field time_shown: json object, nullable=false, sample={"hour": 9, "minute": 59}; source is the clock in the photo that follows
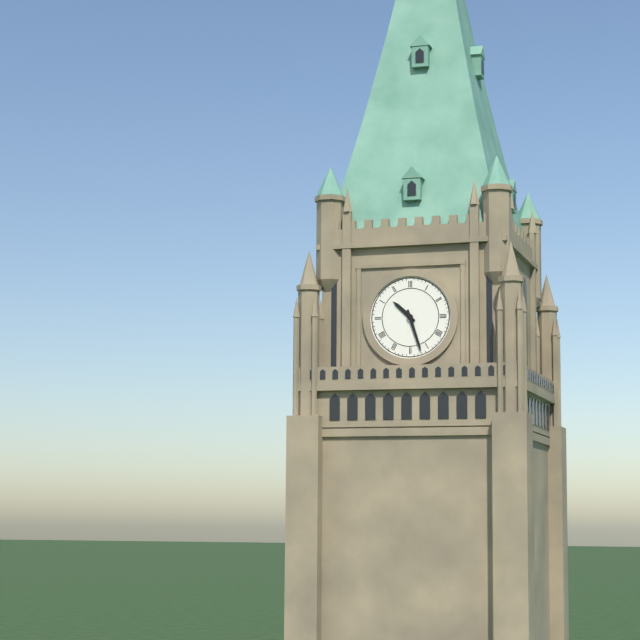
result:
{"hour": 10, "minute": 27}
